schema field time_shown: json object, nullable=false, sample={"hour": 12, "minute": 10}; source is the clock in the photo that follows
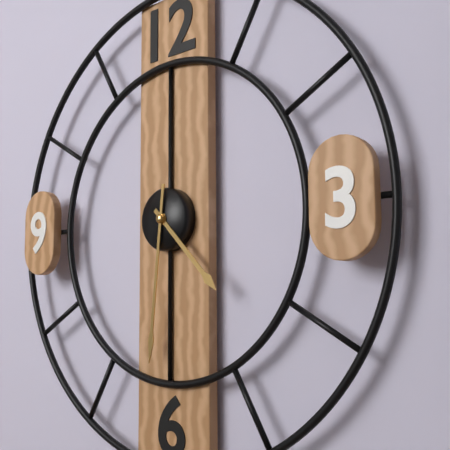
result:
{"hour": 4, "minute": 31}
